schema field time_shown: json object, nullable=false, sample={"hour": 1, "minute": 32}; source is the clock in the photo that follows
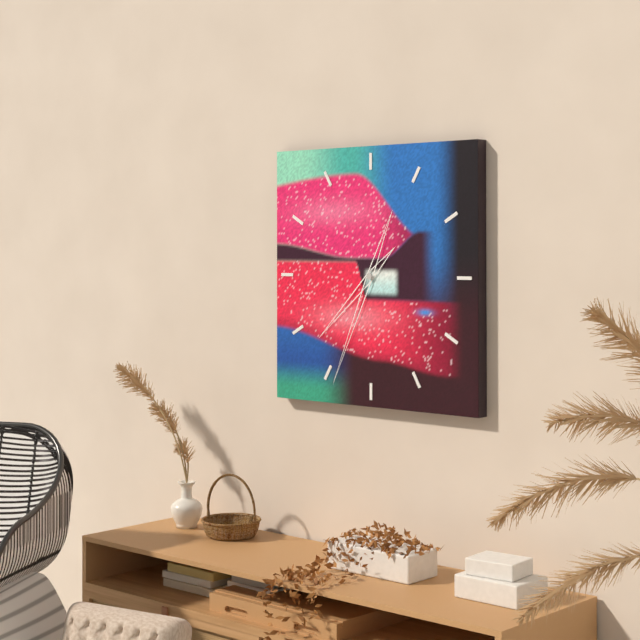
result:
{"hour": 7, "minute": 34}
